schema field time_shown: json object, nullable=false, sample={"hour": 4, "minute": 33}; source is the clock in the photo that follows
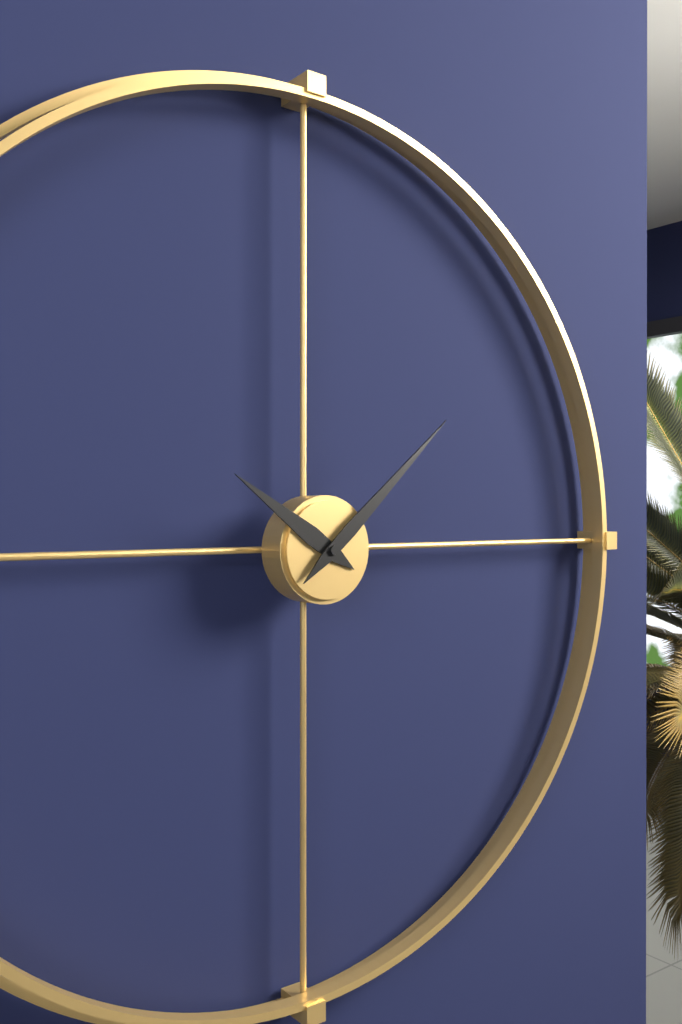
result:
{"hour": 10, "minute": 8}
